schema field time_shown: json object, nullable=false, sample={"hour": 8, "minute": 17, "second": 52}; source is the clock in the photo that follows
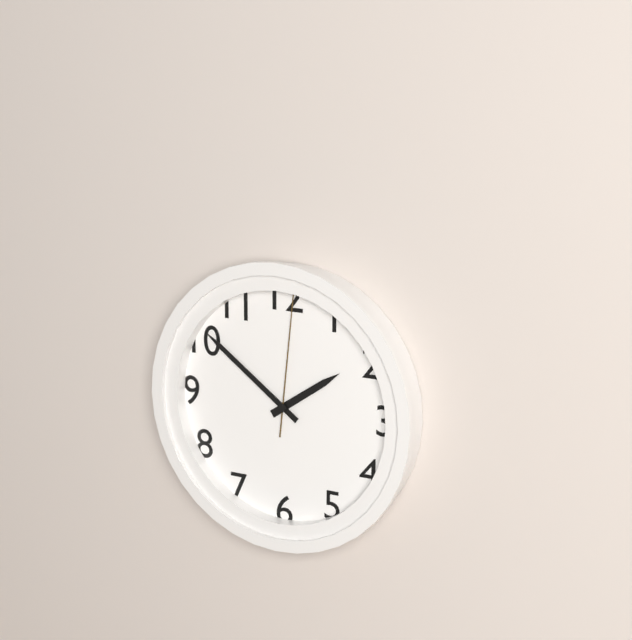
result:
{"hour": 1, "minute": 51, "second": 1}
